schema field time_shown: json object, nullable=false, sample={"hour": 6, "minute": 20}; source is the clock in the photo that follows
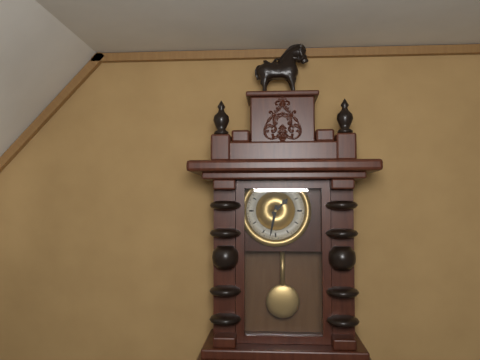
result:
{"hour": 1, "minute": 32}
